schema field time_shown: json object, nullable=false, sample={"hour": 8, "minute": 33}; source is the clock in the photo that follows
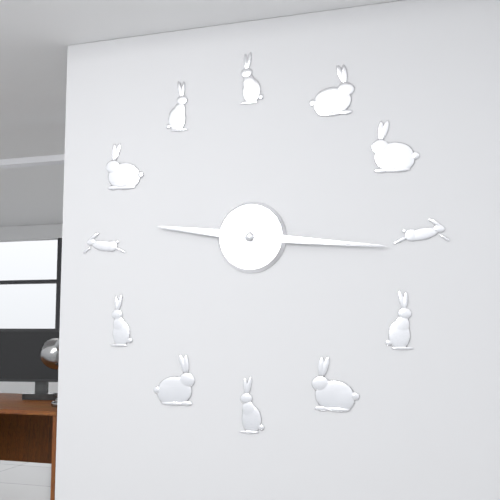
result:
{"hour": 9, "minute": 16}
